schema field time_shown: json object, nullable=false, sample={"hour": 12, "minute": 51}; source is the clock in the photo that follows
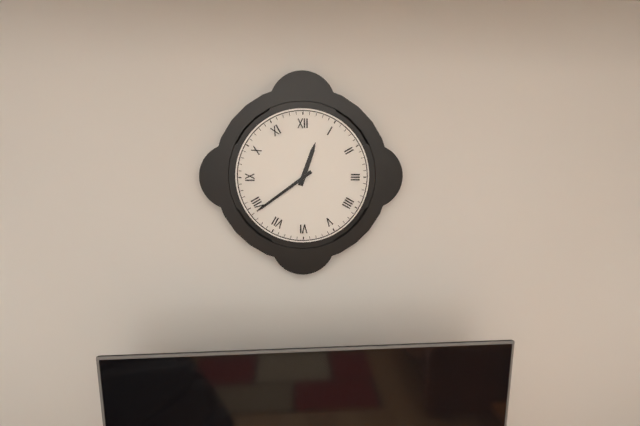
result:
{"hour": 12, "minute": 39}
